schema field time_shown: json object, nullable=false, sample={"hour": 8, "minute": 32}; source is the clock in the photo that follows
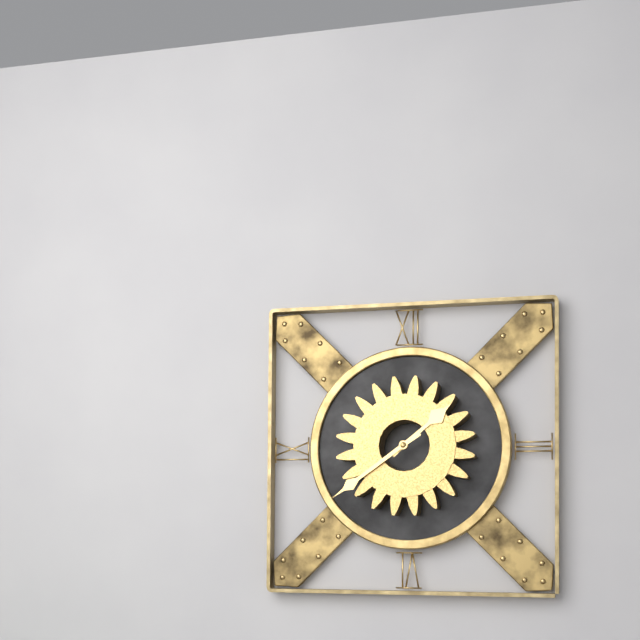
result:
{"hour": 1, "minute": 39}
